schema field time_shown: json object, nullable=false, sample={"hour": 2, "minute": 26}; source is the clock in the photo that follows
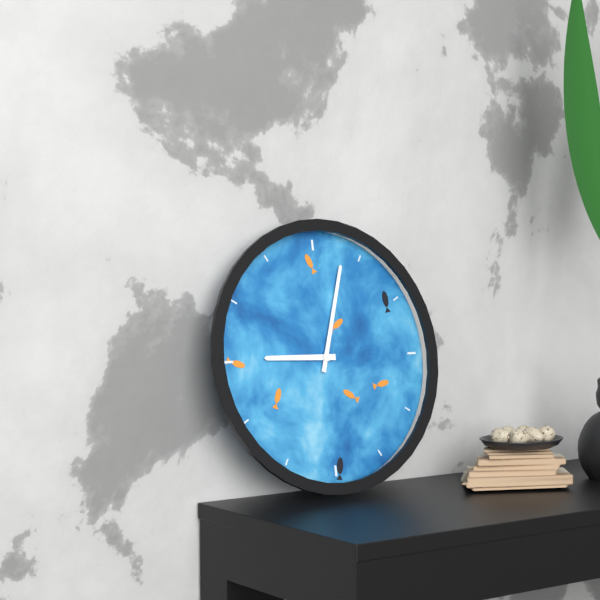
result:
{"hour": 9, "minute": 3}
